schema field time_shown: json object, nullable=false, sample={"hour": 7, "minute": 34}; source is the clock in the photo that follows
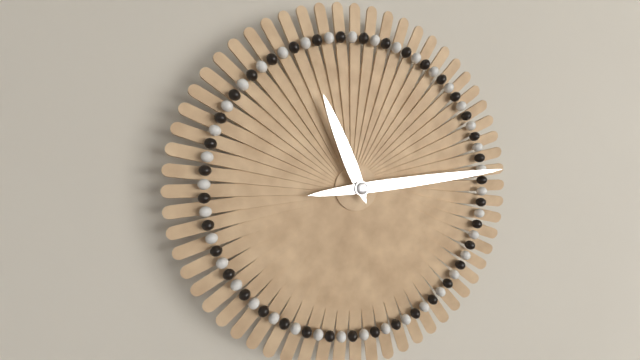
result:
{"hour": 11, "minute": 14}
